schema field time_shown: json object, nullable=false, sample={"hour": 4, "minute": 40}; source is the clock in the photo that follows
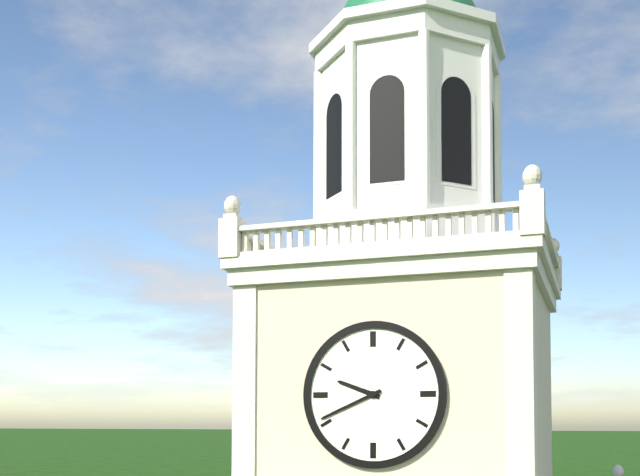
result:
{"hour": 9, "minute": 41}
